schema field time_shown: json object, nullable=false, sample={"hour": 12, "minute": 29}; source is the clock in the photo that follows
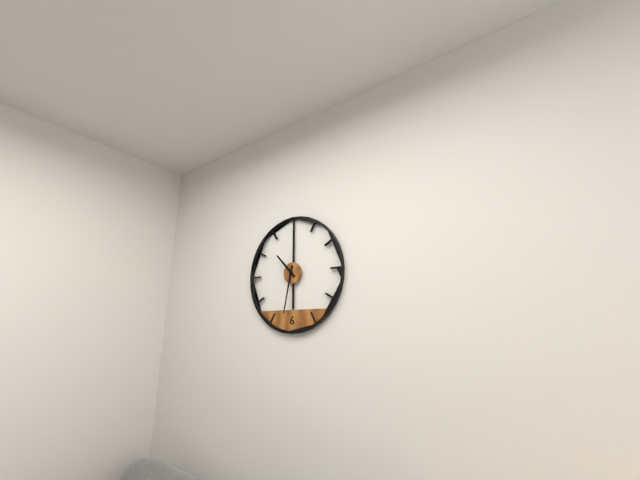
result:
{"hour": 10, "minute": 32}
